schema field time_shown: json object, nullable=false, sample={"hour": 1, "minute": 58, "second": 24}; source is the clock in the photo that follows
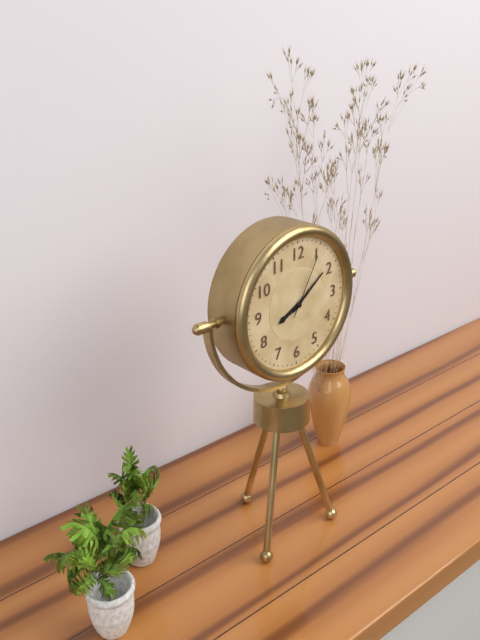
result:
{"hour": 8, "minute": 9, "second": 5}
